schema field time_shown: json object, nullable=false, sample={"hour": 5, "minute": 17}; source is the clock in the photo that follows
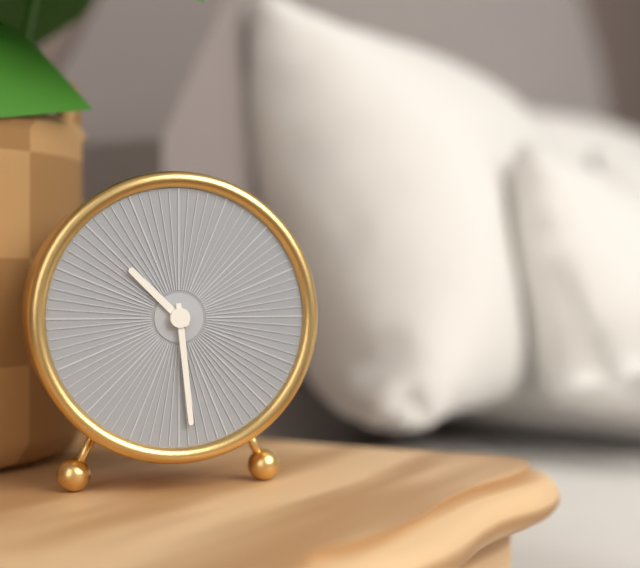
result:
{"hour": 10, "minute": 29}
